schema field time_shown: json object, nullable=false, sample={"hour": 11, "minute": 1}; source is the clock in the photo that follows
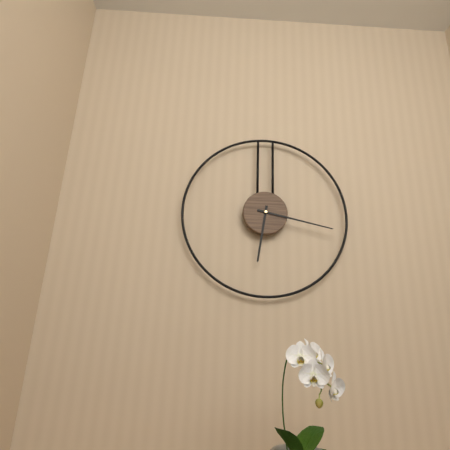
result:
{"hour": 6, "minute": 17}
